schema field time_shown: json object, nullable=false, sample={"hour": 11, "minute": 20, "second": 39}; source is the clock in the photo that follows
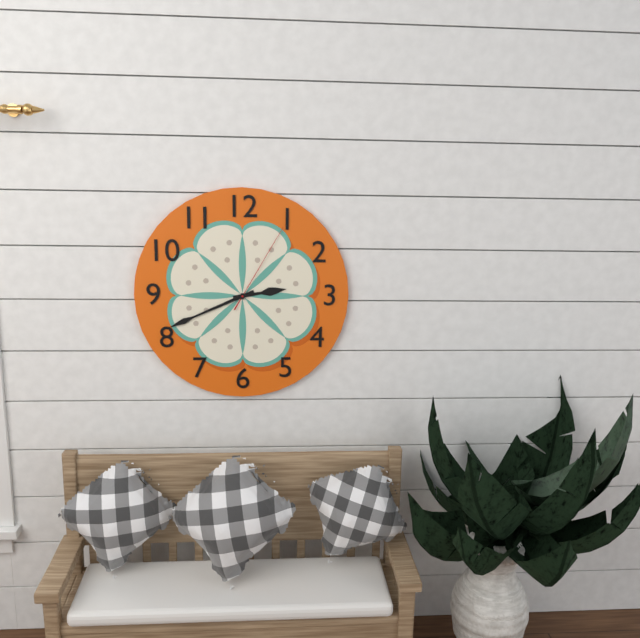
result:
{"hour": 2, "minute": 41, "second": 5}
